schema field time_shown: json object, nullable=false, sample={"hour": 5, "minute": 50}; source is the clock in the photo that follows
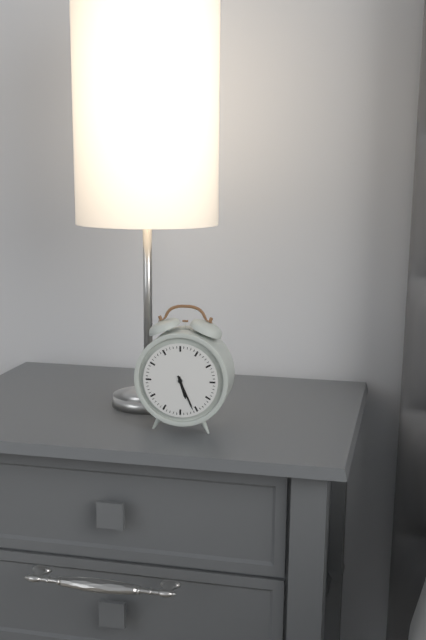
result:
{"hour": 5, "minute": 26}
